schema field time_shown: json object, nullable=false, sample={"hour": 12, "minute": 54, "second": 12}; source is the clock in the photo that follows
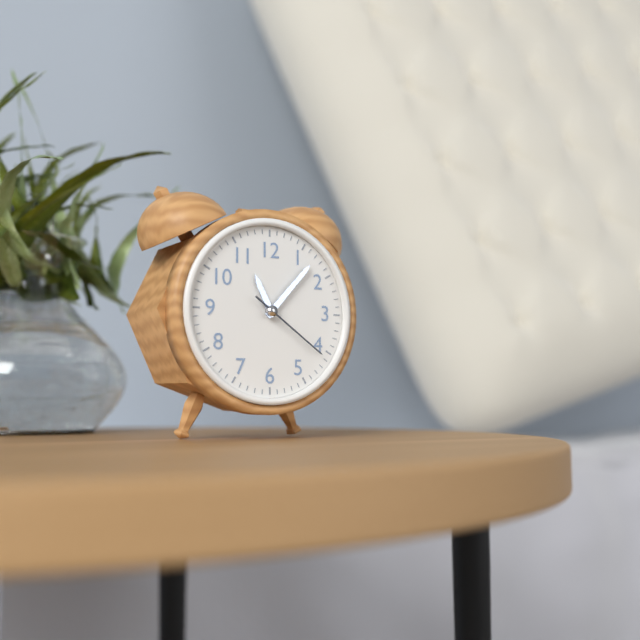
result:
{"hour": 11, "minute": 7, "second": 21}
